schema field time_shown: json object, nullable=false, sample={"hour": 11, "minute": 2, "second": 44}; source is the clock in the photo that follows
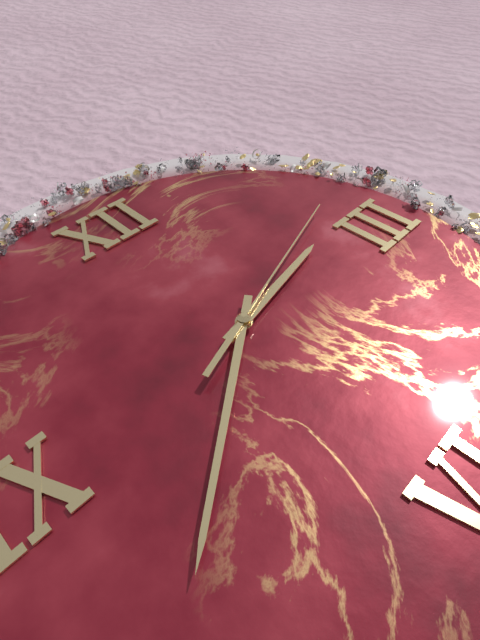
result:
{"hour": 2, "minute": 39, "second": 12}
